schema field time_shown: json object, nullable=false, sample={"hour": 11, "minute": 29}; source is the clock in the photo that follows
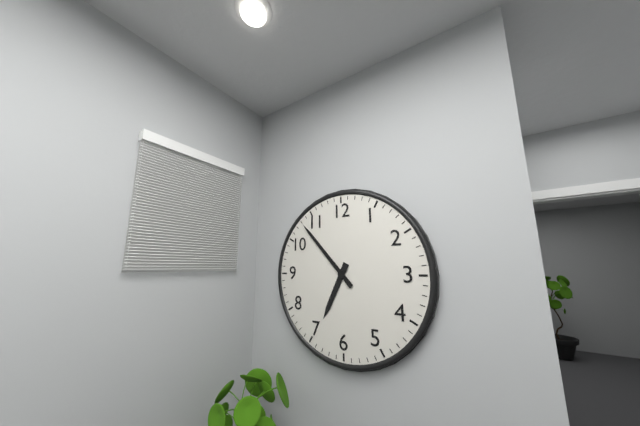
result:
{"hour": 6, "minute": 53}
